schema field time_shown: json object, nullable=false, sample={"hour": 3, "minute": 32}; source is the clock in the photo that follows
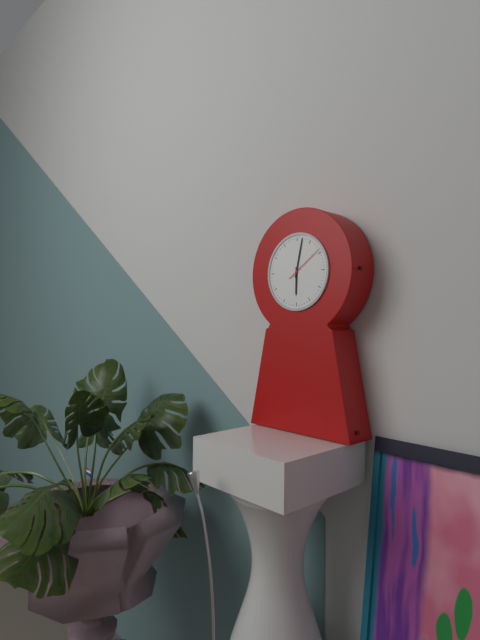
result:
{"hour": 6, "minute": 2}
